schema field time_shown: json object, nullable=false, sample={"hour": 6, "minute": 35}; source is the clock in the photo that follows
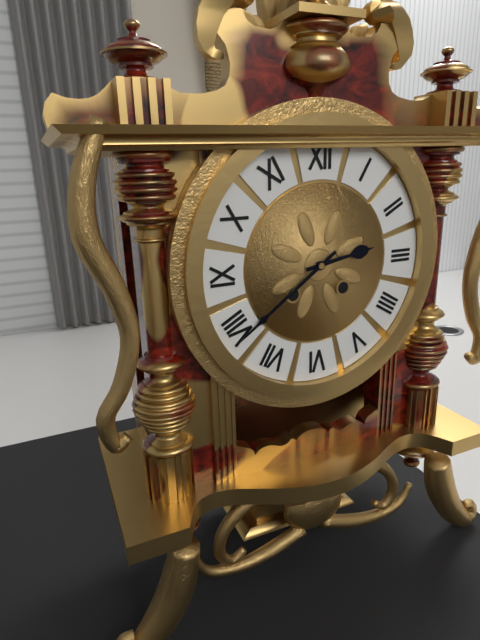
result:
{"hour": 2, "minute": 39}
